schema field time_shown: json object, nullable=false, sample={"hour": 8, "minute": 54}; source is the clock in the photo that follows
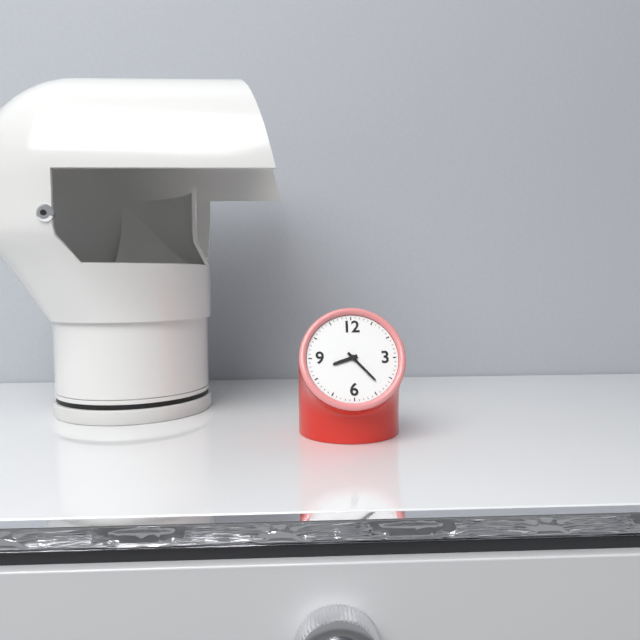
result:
{"hour": 8, "minute": 23}
